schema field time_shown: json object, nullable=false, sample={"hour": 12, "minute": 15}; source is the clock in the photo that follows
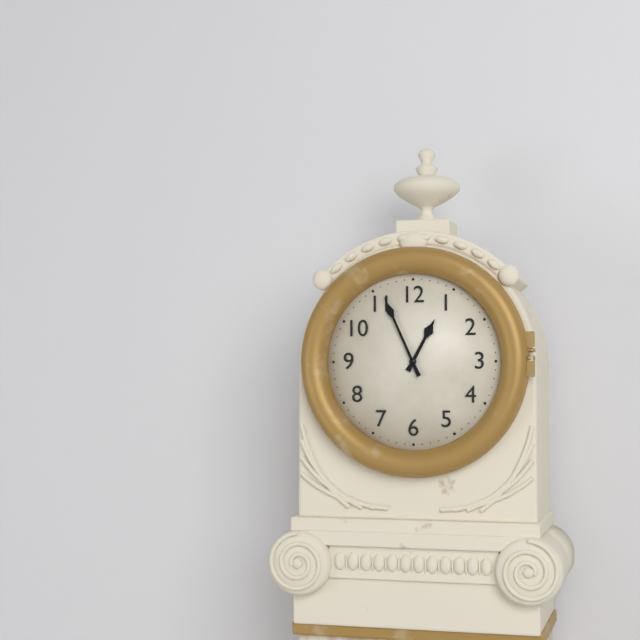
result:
{"hour": 12, "minute": 56}
